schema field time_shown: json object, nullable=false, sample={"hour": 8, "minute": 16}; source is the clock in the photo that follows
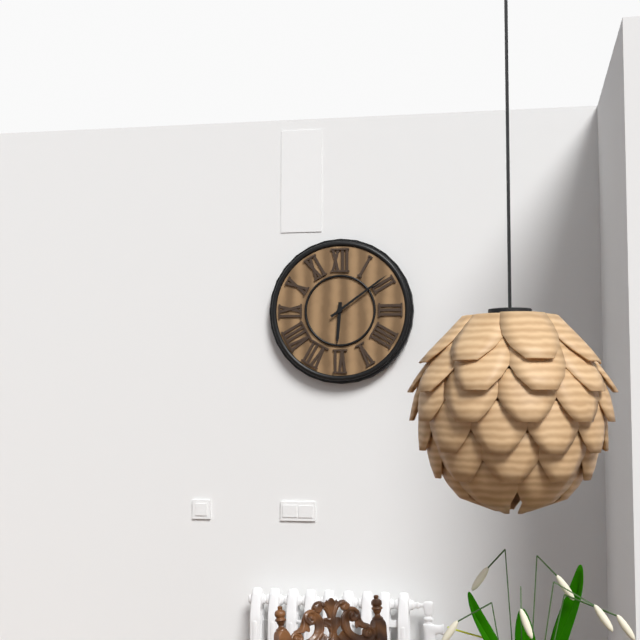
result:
{"hour": 6, "minute": 9}
